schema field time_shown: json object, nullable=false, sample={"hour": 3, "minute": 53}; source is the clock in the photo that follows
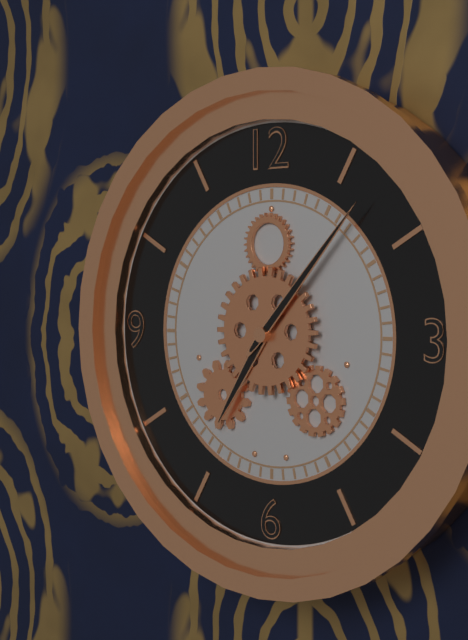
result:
{"hour": 7, "minute": 7}
